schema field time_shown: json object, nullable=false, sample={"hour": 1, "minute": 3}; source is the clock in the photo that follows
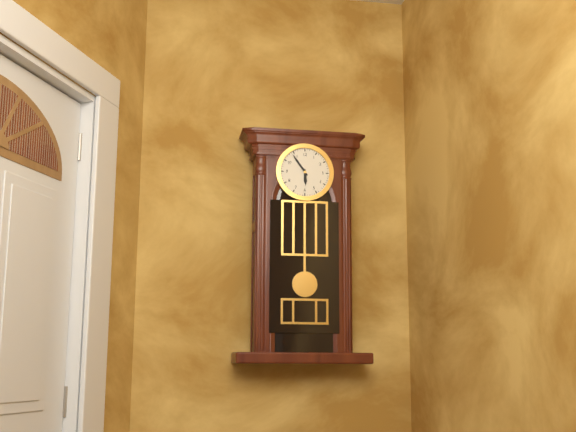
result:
{"hour": 5, "minute": 54}
